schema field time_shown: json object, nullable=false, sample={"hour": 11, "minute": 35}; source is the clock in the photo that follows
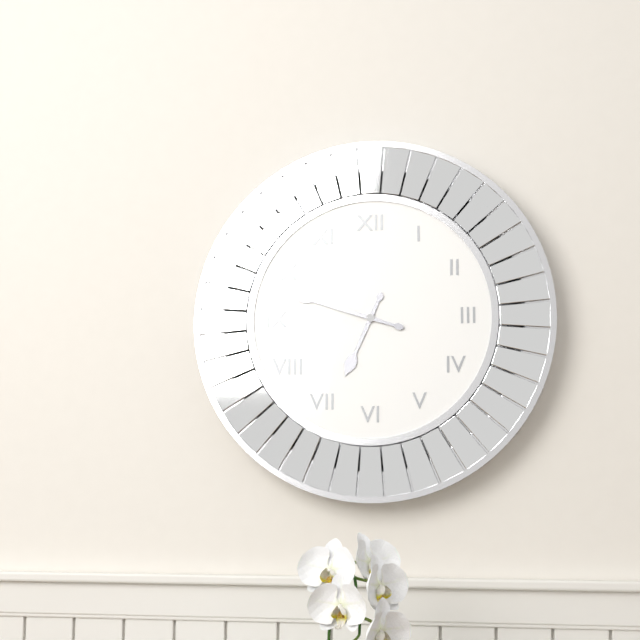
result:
{"hour": 6, "minute": 48}
